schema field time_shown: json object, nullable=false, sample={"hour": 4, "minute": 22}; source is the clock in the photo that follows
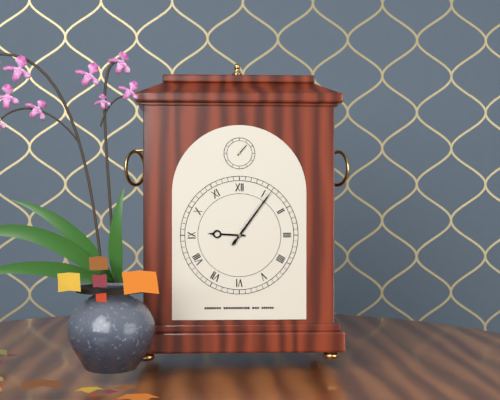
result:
{"hour": 9, "minute": 6}
